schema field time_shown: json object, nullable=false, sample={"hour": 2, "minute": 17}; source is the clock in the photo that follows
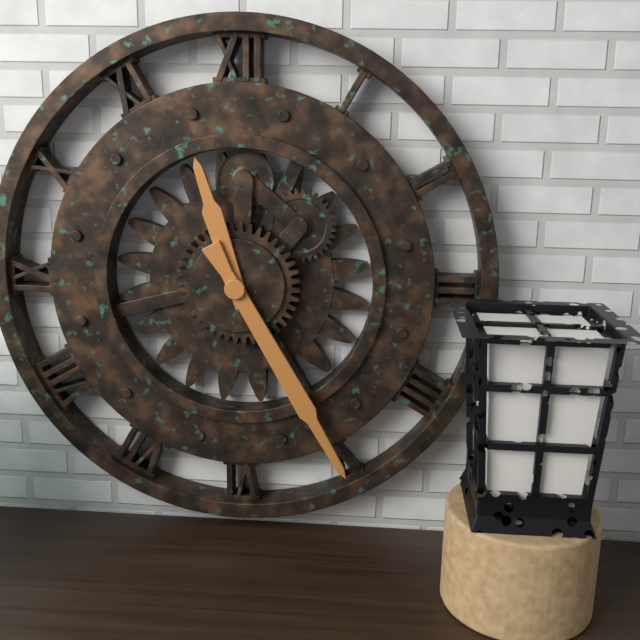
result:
{"hour": 11, "minute": 25}
